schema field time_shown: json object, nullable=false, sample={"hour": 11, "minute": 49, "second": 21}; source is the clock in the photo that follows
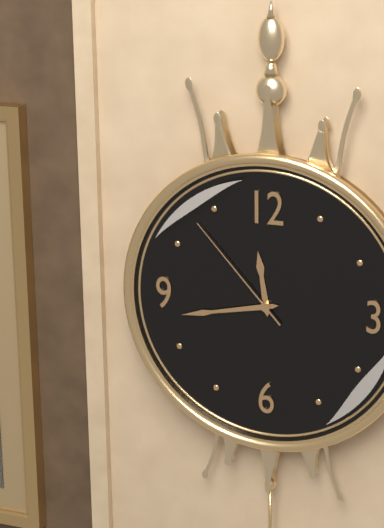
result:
{"hour": 11, "minute": 43, "second": 53}
